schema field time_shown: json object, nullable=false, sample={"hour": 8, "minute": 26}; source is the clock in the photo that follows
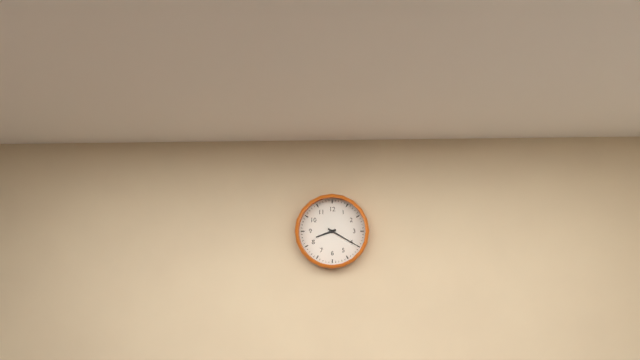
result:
{"hour": 8, "minute": 20}
